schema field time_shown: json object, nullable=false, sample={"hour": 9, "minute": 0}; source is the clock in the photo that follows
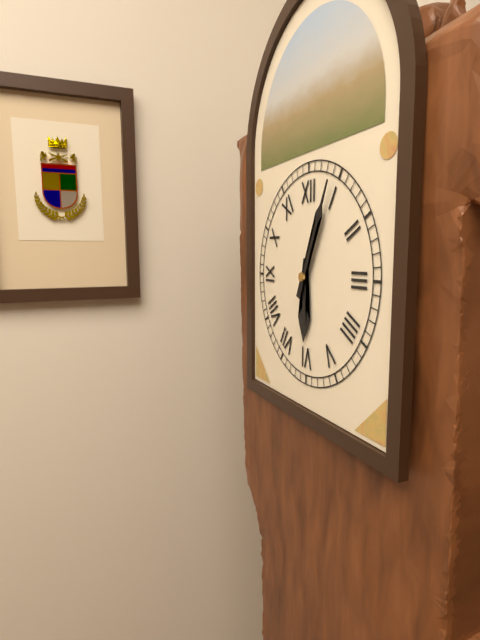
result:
{"hour": 6, "minute": 4}
